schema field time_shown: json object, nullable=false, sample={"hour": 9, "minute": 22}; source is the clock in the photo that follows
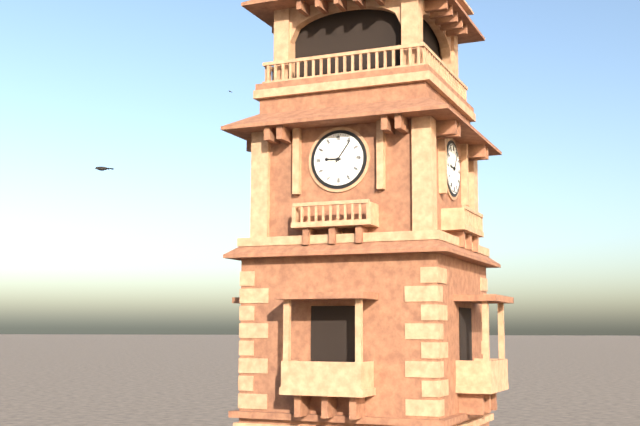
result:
{"hour": 9, "minute": 6}
